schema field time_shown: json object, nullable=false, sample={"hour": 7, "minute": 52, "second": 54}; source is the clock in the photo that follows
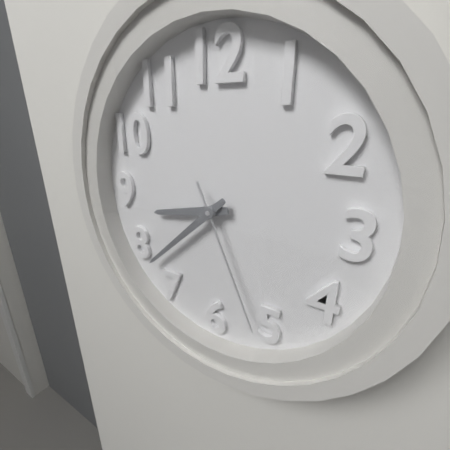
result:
{"hour": 8, "minute": 38, "second": 26}
